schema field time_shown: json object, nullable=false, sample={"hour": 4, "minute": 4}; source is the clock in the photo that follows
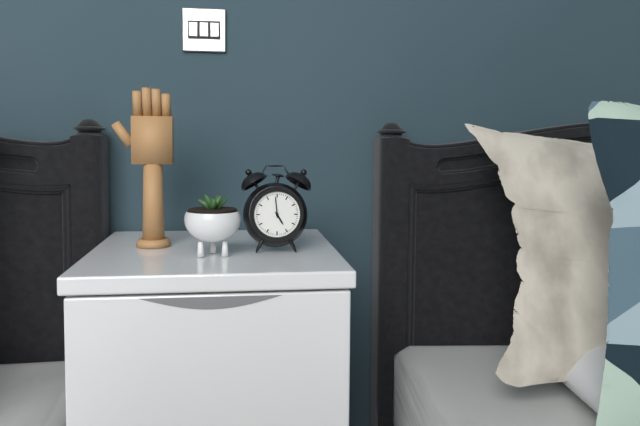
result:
{"hour": 4, "minute": 59}
